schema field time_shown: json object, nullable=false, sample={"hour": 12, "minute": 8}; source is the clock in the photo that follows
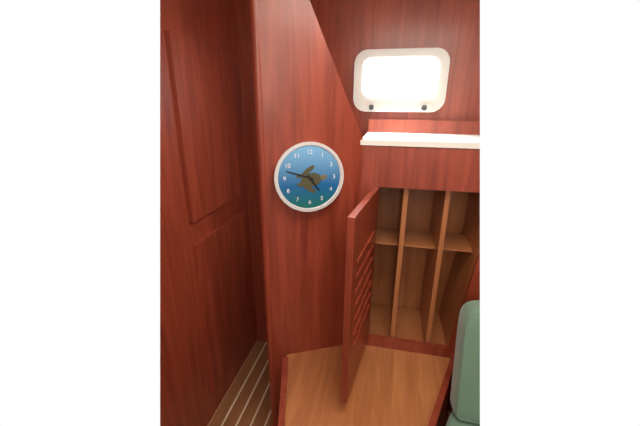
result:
{"hour": 4, "minute": 48}
